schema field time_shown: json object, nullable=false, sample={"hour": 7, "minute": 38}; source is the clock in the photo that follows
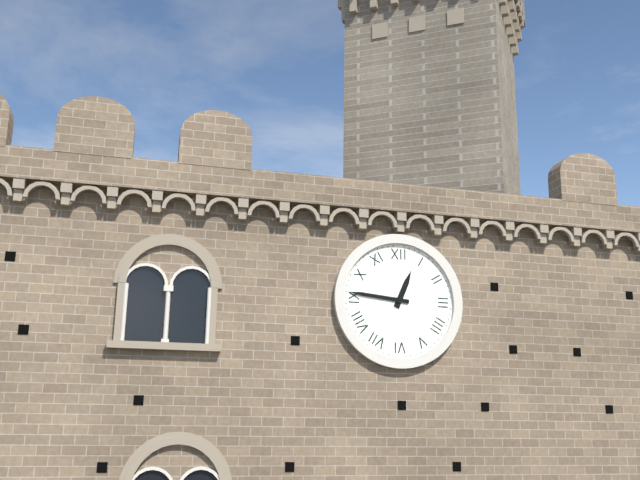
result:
{"hour": 12, "minute": 46}
